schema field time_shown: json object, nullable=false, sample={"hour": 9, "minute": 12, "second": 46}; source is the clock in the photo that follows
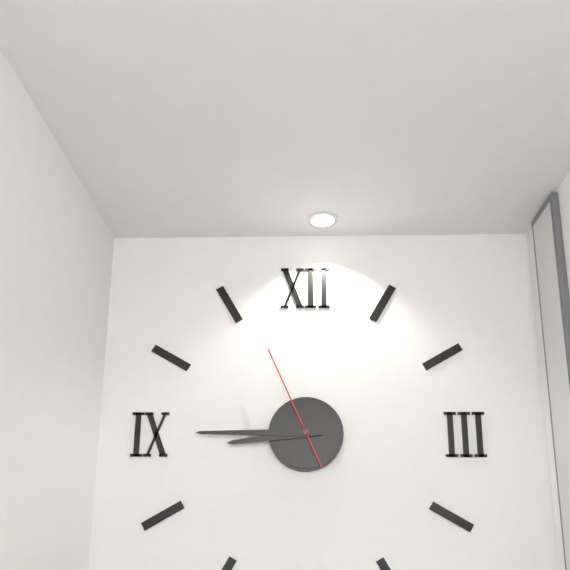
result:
{"hour": 8, "minute": 45, "second": 56}
